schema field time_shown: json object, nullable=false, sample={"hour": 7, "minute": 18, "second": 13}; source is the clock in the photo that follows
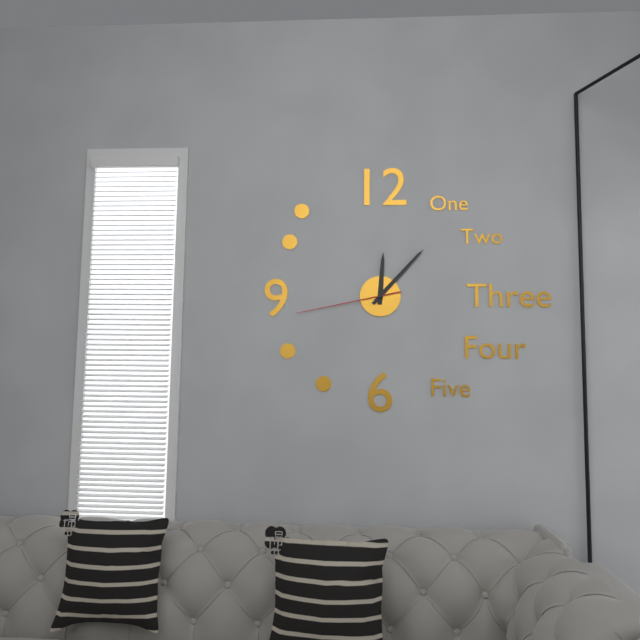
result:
{"hour": 12, "minute": 7, "second": 43}
